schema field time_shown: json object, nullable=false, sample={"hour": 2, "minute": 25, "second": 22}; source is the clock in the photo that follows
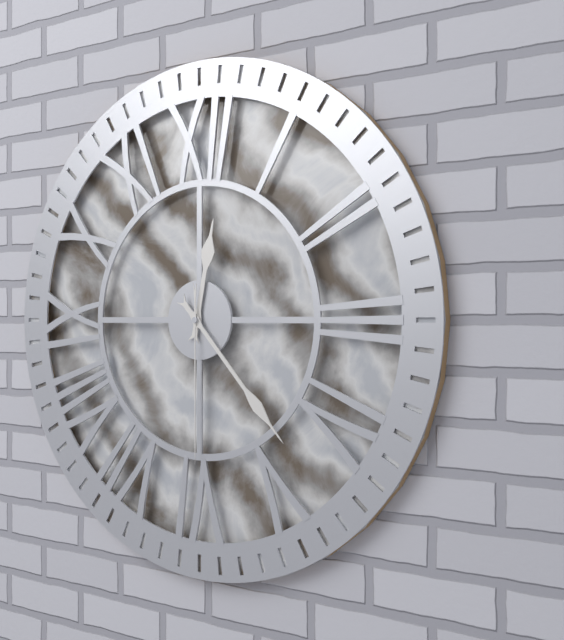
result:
{"hour": 12, "minute": 23, "second": 30}
